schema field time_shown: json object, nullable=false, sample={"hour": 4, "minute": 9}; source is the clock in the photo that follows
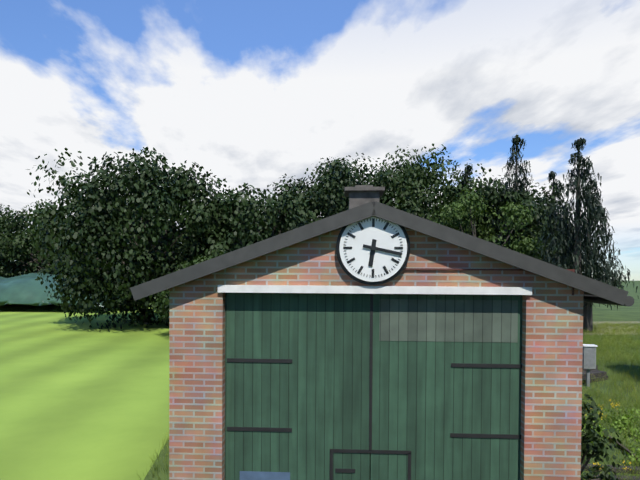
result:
{"hour": 6, "minute": 17}
